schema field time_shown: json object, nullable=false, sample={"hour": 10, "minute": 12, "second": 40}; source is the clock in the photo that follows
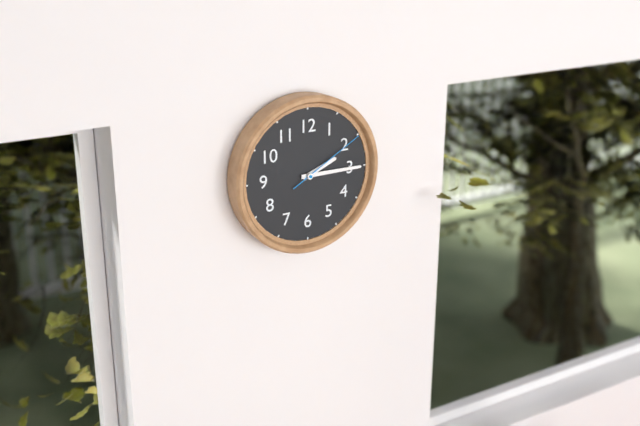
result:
{"hour": 2, "minute": 15, "second": 10}
